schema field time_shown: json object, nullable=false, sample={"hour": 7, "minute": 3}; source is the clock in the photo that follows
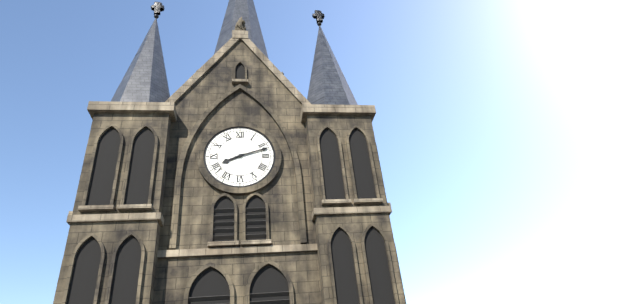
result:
{"hour": 8, "minute": 12}
